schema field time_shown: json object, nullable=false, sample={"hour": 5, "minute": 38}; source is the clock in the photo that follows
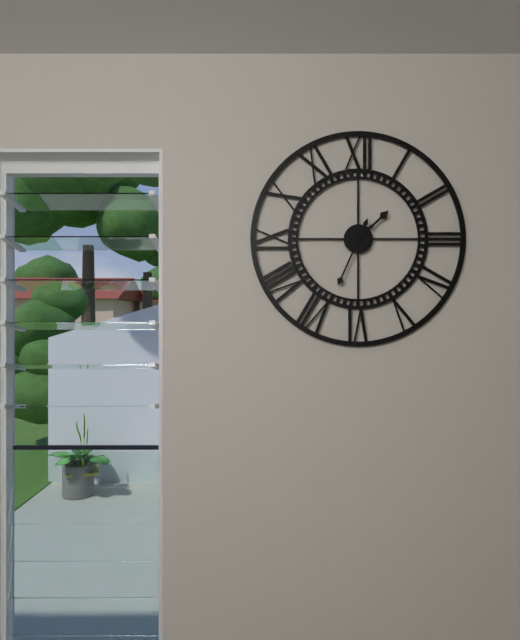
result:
{"hour": 1, "minute": 34}
